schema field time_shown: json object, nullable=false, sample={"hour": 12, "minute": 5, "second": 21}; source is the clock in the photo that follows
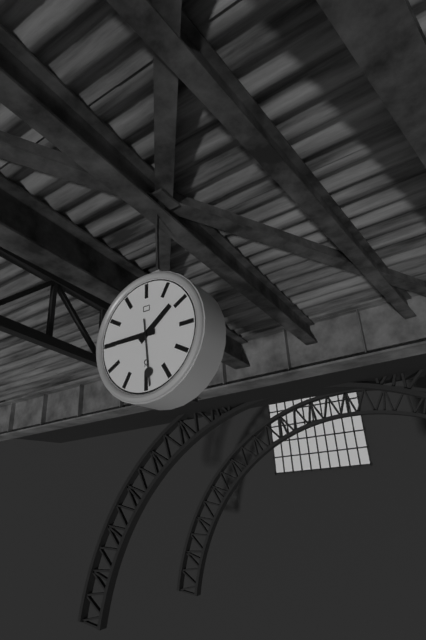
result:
{"hour": 1, "minute": 45, "second": 29}
